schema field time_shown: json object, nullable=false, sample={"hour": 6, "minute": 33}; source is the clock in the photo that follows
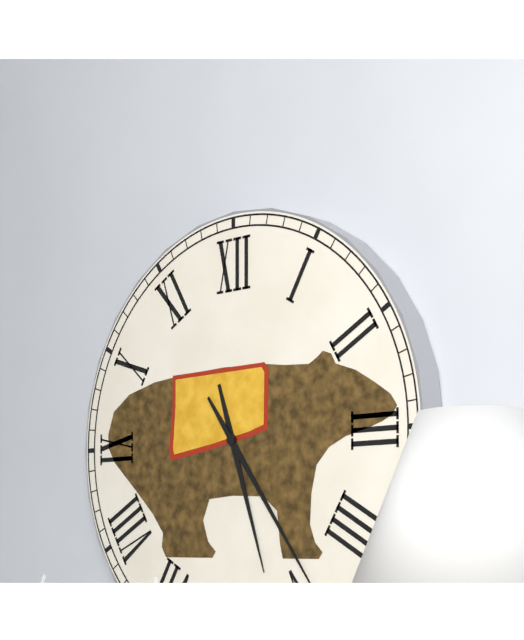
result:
{"hour": 5, "minute": 24}
